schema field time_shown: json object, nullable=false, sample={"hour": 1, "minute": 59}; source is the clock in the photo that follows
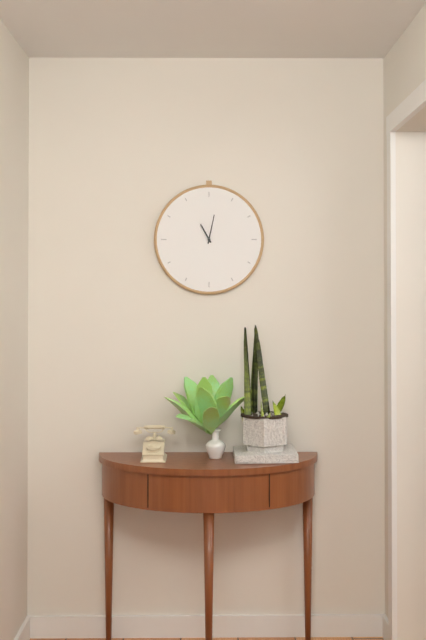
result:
{"hour": 11, "minute": 2}
